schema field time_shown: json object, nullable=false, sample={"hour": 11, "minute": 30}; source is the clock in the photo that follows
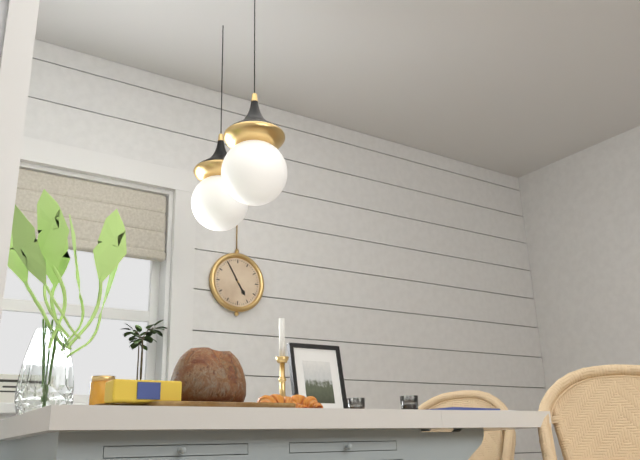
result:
{"hour": 4, "minute": 55}
